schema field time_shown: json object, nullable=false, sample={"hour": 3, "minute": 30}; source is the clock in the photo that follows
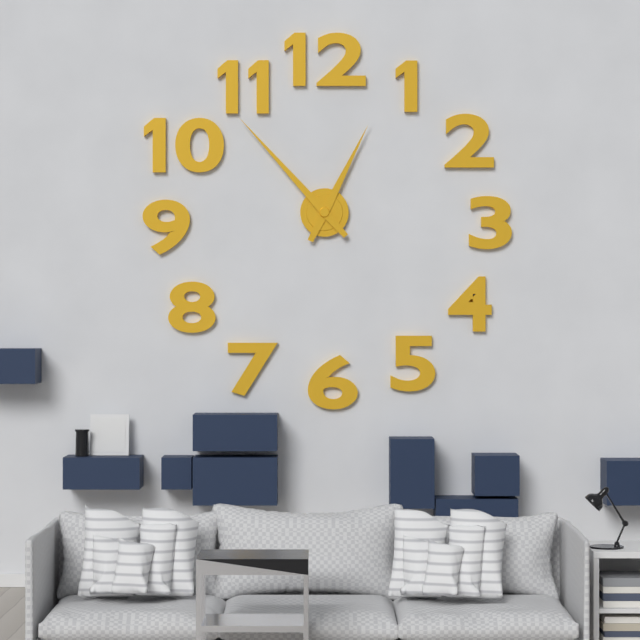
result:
{"hour": 12, "minute": 53}
